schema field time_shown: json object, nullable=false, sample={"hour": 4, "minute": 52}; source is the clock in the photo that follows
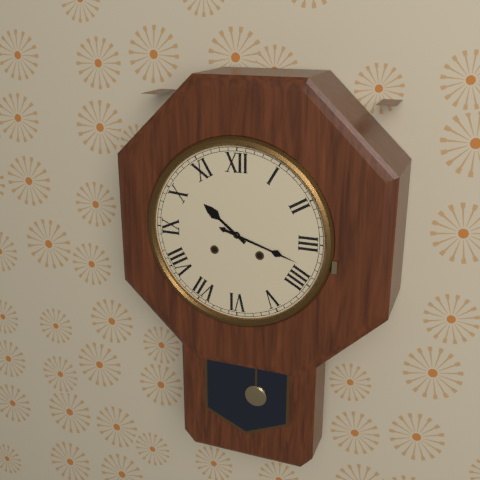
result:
{"hour": 10, "minute": 18}
